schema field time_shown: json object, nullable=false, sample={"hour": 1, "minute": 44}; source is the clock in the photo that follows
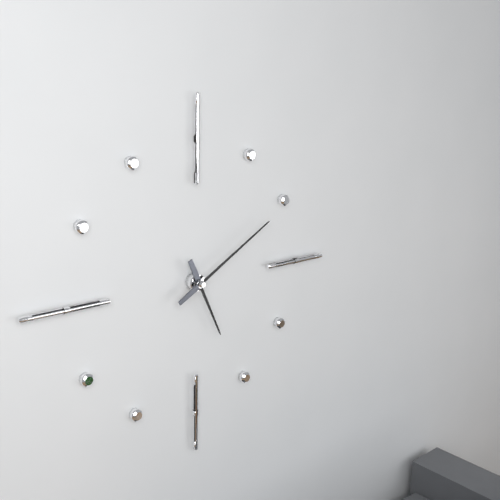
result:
{"hour": 5, "minute": 10}
